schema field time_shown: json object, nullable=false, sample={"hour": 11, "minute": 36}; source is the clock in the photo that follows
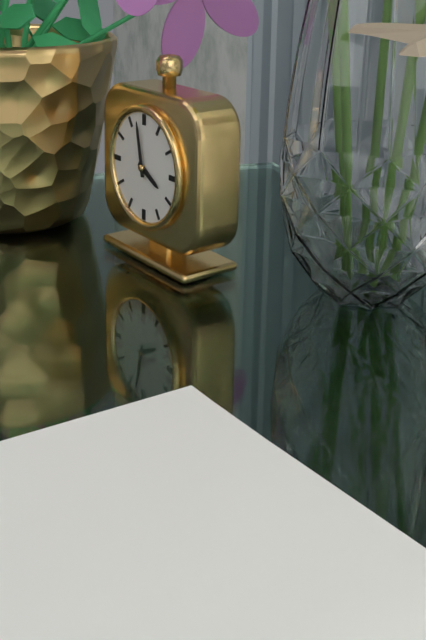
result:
{"hour": 3, "minute": 58}
